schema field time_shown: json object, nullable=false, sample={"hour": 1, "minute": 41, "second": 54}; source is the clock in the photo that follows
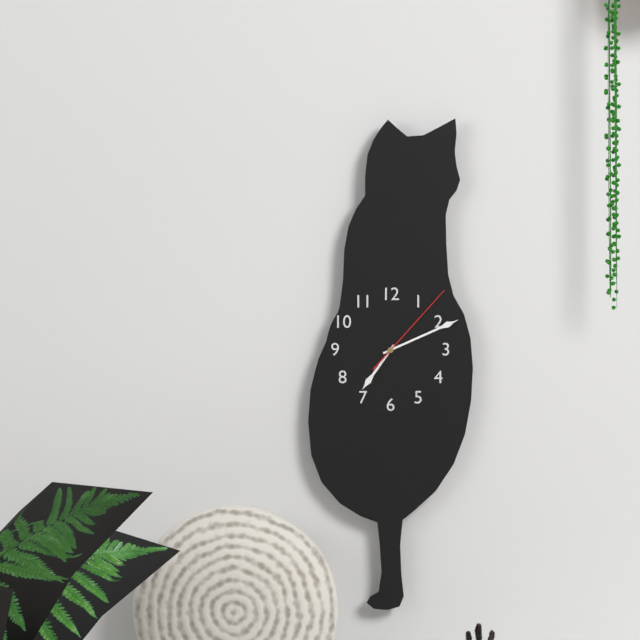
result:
{"hour": 7, "minute": 11, "second": 7}
